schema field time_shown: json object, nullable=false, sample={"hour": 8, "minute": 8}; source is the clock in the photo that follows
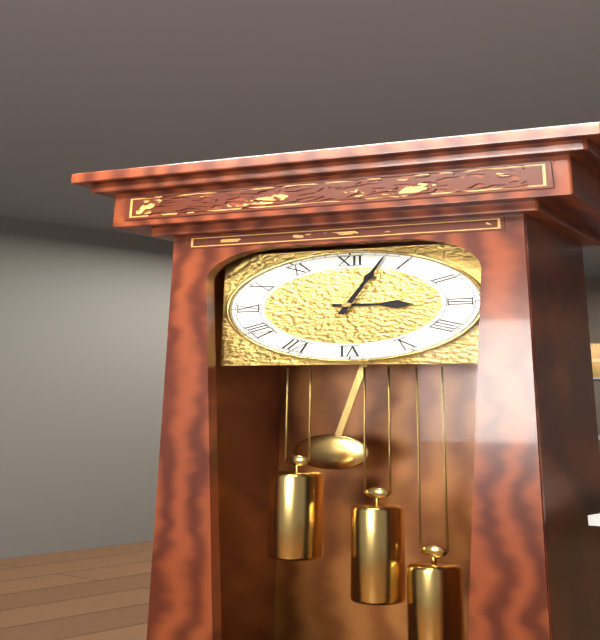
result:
{"hour": 3, "minute": 3}
